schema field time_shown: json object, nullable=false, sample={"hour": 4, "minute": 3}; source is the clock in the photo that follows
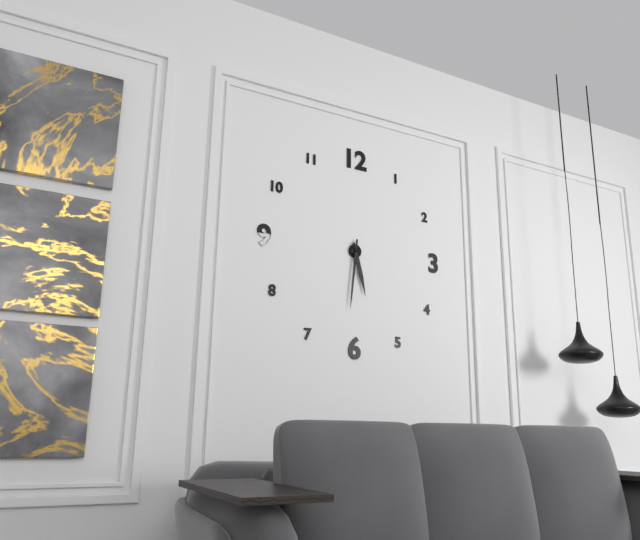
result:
{"hour": 5, "minute": 31}
